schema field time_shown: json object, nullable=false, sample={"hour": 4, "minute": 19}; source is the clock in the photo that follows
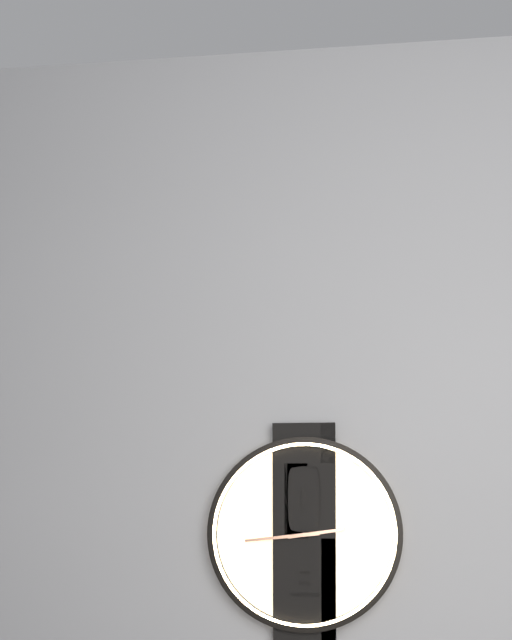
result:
{"hour": 2, "minute": 44}
